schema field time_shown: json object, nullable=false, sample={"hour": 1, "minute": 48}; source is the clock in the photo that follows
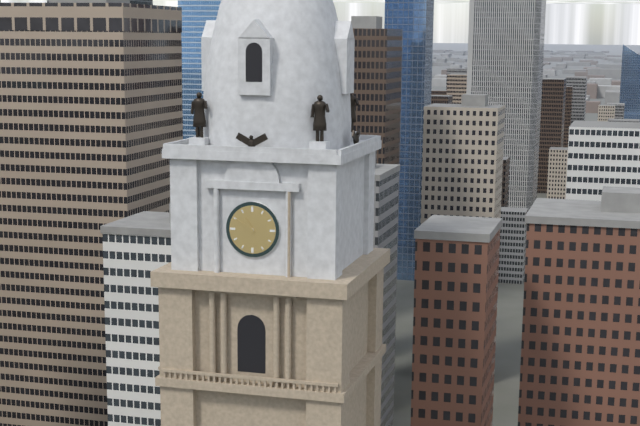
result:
{"hour": 10, "minute": 50}
